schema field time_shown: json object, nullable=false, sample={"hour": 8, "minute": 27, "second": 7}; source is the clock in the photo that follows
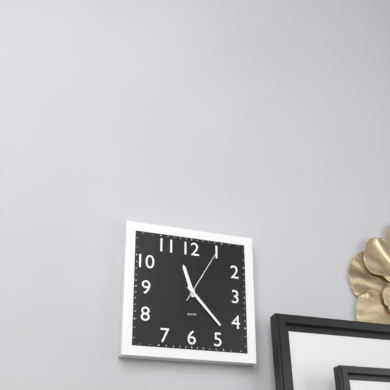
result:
{"hour": 11, "minute": 23, "second": 5}
